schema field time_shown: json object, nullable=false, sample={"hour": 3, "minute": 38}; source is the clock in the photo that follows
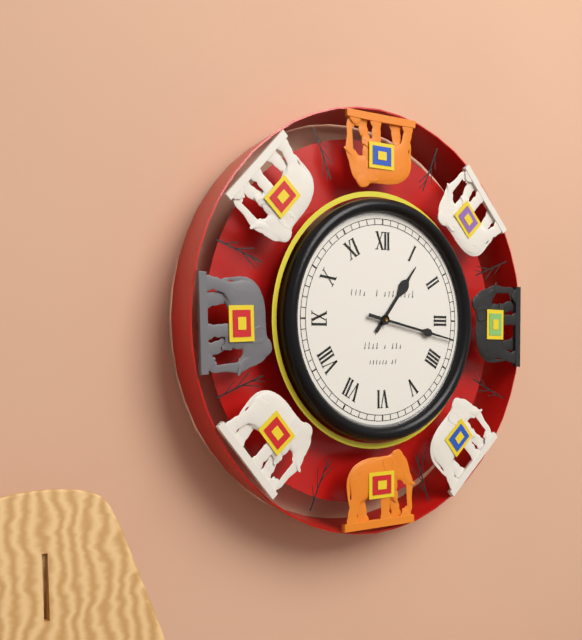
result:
{"hour": 1, "minute": 17}
